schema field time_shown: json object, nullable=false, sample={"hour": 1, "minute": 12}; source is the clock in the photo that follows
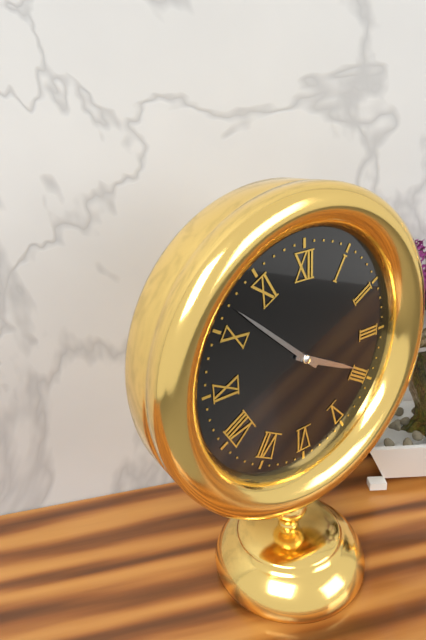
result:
{"hour": 3, "minute": 52}
